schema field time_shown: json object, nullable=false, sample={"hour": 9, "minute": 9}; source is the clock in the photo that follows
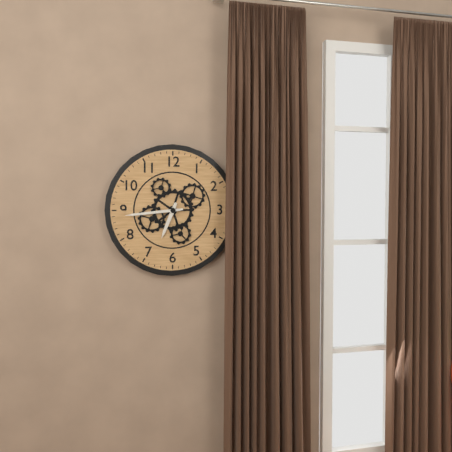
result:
{"hour": 6, "minute": 44}
